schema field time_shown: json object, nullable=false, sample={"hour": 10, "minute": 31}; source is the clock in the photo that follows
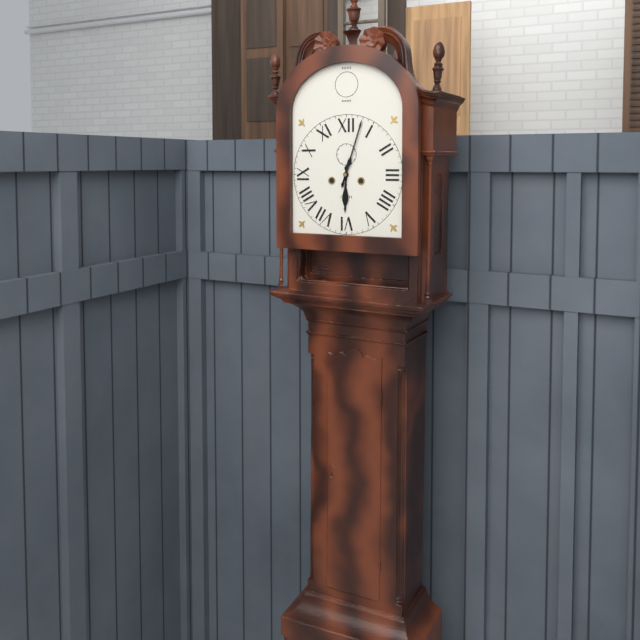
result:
{"hour": 6, "minute": 3}
